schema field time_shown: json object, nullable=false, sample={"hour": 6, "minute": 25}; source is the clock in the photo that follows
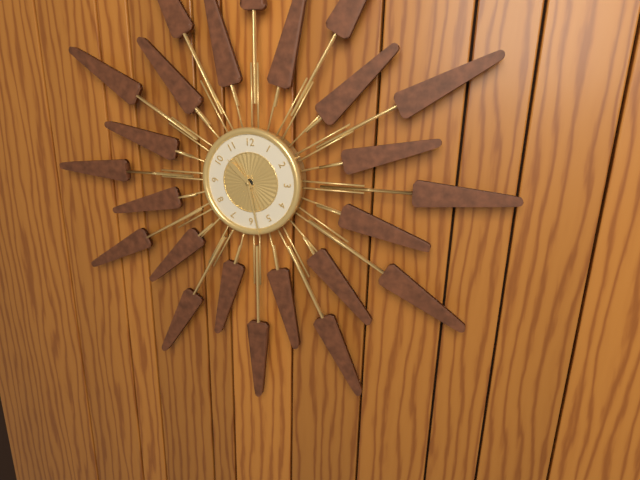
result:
{"hour": 10, "minute": 28}
